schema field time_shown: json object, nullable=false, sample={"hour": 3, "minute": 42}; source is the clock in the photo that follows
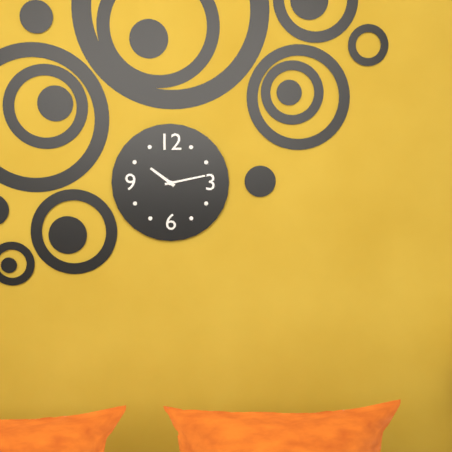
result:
{"hour": 10, "minute": 13}
